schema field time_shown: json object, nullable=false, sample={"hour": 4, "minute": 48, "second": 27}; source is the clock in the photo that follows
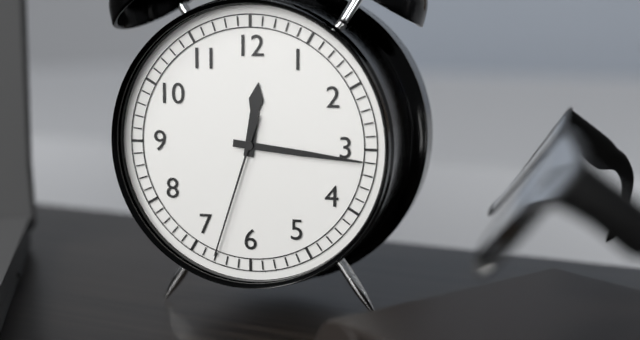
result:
{"hour": 12, "minute": 16, "second": 33}
